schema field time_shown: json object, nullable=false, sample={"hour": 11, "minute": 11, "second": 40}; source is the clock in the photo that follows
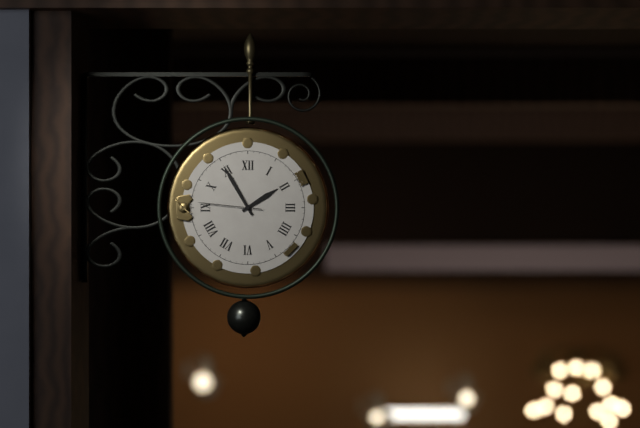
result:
{"hour": 1, "minute": 55, "second": 46}
